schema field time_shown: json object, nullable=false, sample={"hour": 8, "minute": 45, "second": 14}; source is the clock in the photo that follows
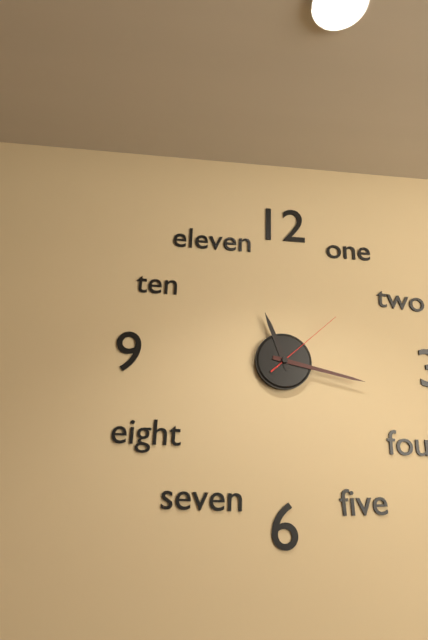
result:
{"hour": 11, "minute": 17, "second": 8}
